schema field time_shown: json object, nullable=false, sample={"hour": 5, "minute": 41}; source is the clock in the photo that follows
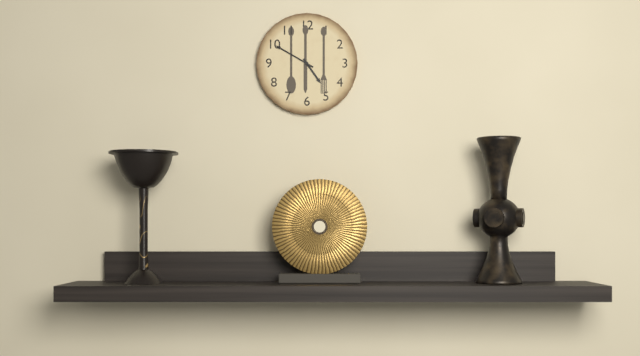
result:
{"hour": 4, "minute": 50}
